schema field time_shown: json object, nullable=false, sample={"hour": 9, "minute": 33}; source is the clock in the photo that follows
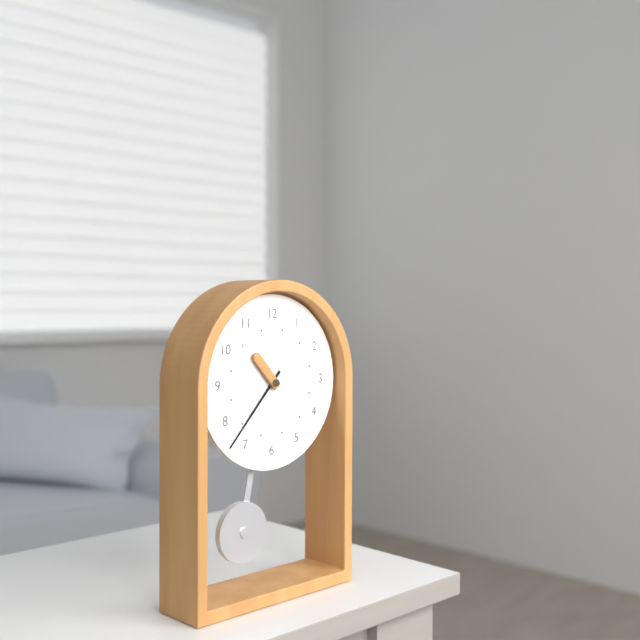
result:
{"hour": 10, "minute": 37}
